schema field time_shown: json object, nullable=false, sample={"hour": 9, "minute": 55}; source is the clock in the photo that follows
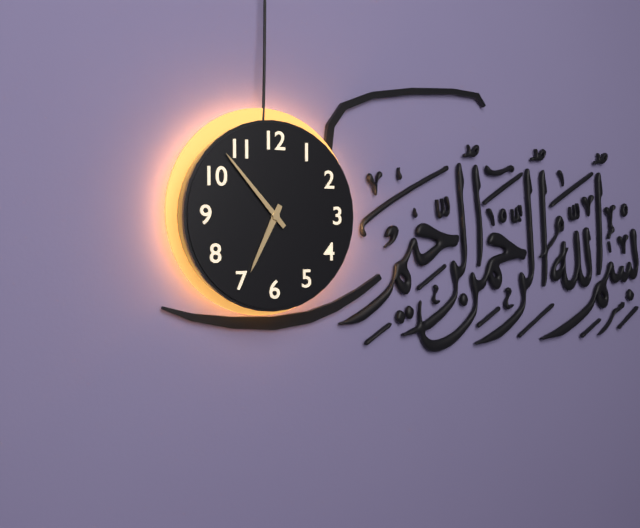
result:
{"hour": 6, "minute": 53}
